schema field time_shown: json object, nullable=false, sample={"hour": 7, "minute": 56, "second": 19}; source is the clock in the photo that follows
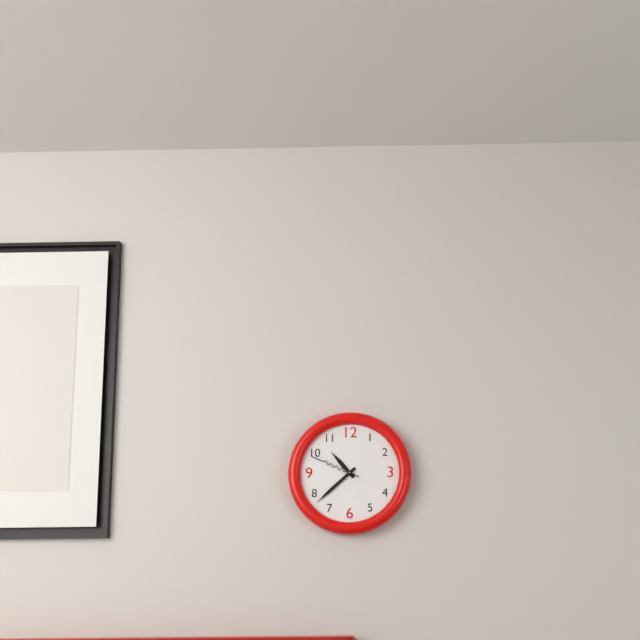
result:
{"hour": 10, "minute": 38, "second": 49}
